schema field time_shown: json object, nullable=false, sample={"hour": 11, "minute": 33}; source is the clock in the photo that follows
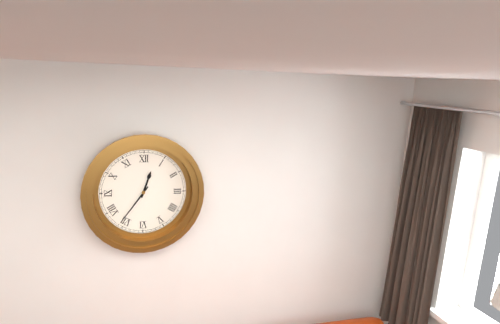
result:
{"hour": 12, "minute": 36}
